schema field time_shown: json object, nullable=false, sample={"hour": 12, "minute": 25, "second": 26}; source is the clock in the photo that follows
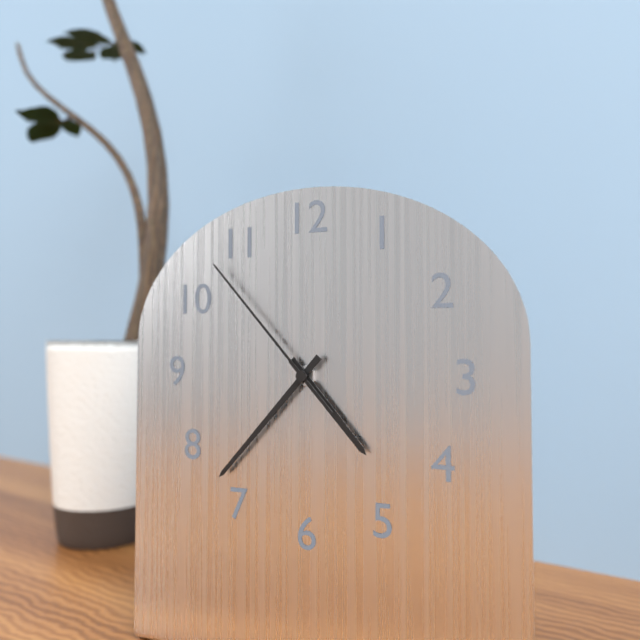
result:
{"hour": 4, "minute": 37, "second": 53}
